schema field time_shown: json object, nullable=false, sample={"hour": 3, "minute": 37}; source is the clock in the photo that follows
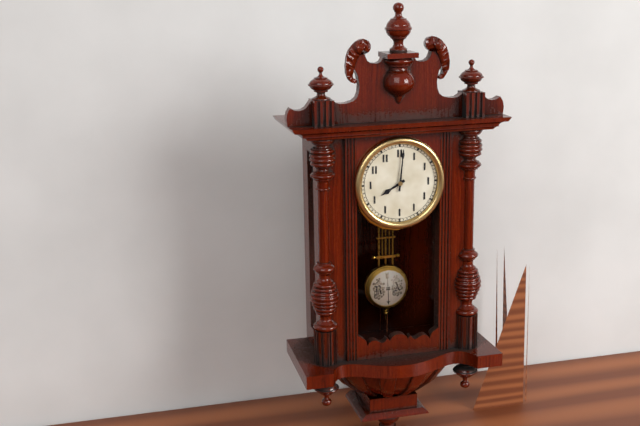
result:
{"hour": 8, "minute": 1}
